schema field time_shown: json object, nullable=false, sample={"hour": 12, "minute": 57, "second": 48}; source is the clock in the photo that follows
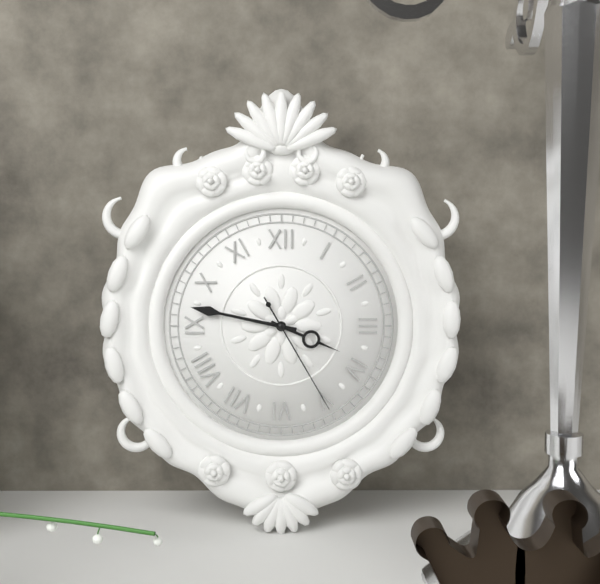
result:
{"hour": 3, "minute": 47, "second": 25}
